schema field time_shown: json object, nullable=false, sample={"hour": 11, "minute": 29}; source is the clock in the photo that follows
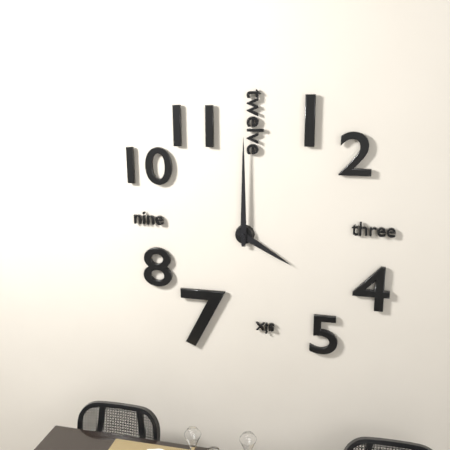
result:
{"hour": 4, "minute": 0}
